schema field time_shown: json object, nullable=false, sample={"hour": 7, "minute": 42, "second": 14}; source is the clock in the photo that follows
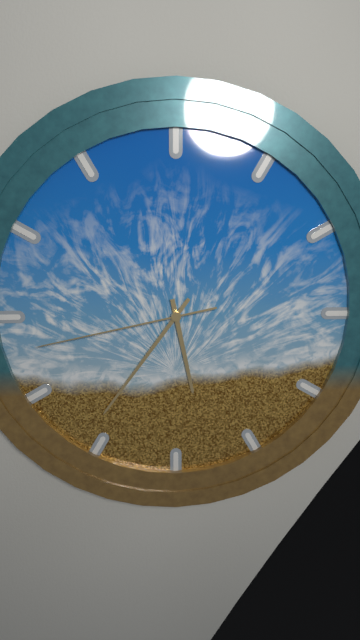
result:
{"hour": 5, "minute": 36, "second": 43}
